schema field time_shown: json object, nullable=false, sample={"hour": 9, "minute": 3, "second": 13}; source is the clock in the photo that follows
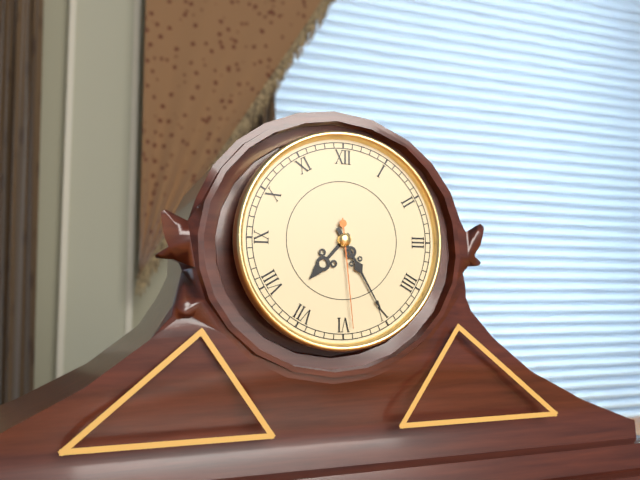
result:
{"hour": 7, "minute": 25, "second": 29}
